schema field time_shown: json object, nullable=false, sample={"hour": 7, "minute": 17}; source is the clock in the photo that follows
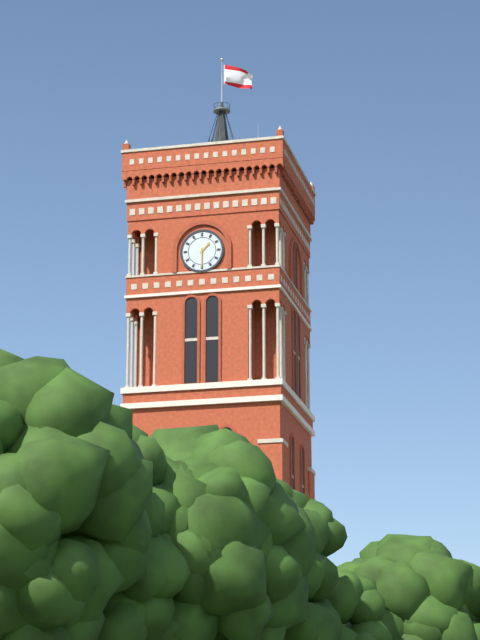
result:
{"hour": 1, "minute": 30}
